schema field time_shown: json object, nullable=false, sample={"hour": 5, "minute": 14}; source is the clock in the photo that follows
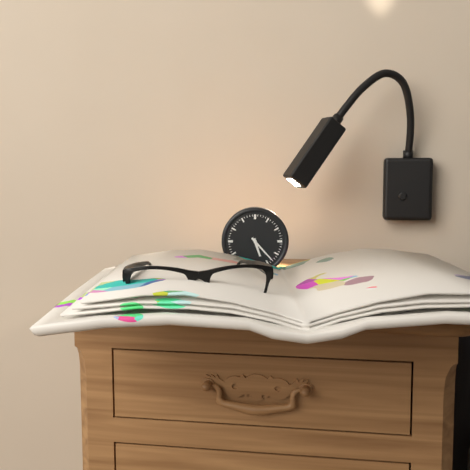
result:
{"hour": 5, "minute": 23}
